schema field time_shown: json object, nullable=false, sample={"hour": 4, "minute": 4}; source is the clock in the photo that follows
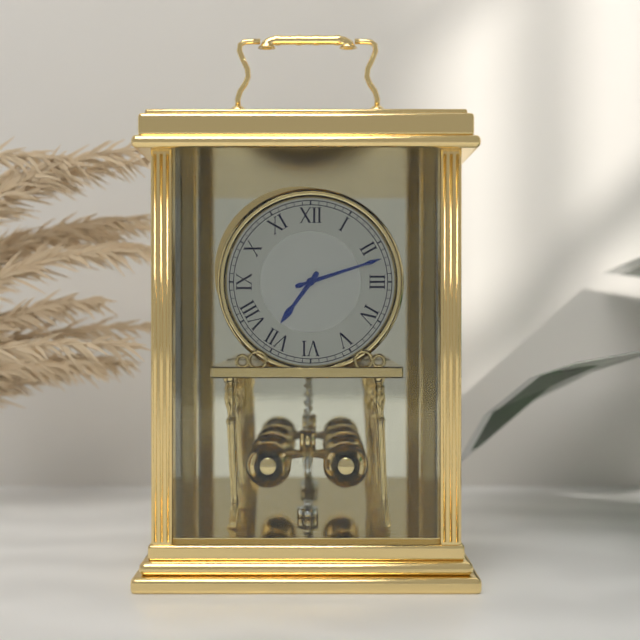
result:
{"hour": 7, "minute": 12}
